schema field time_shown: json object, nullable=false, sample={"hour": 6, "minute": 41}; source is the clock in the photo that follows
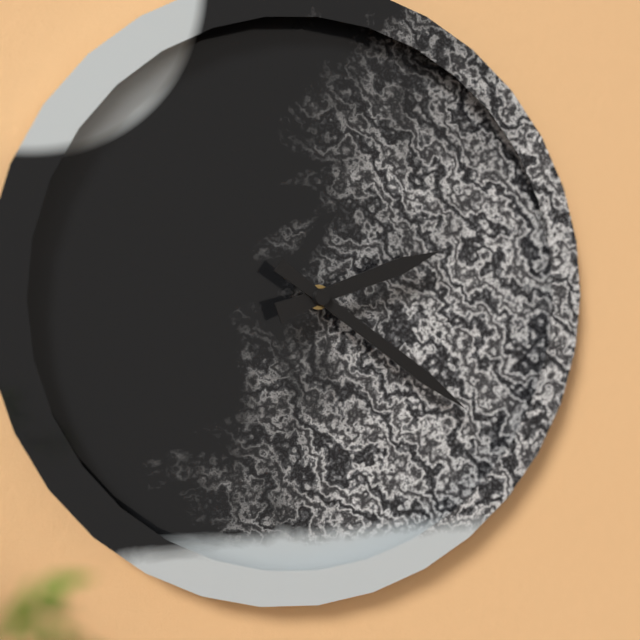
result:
{"hour": 2, "minute": 21}
